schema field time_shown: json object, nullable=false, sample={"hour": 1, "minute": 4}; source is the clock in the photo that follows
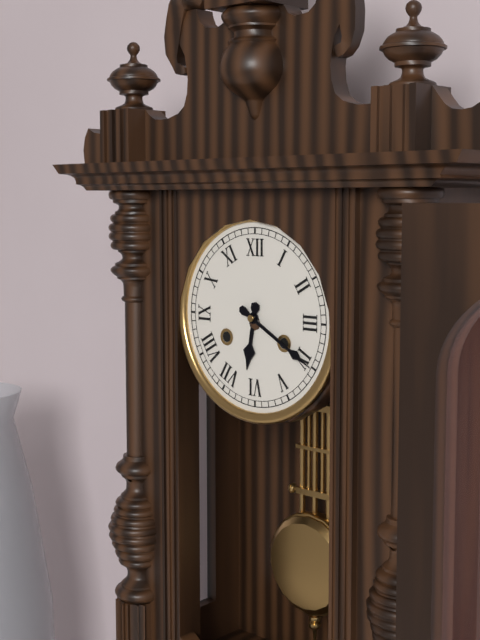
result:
{"hour": 6, "minute": 20}
